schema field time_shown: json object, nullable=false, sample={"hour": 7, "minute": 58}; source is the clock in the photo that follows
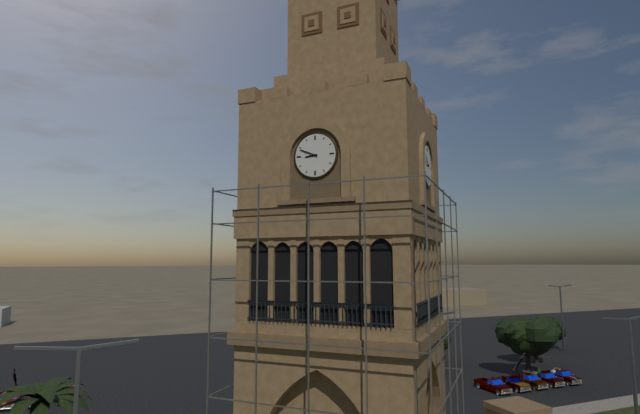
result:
{"hour": 8, "minute": 49}
